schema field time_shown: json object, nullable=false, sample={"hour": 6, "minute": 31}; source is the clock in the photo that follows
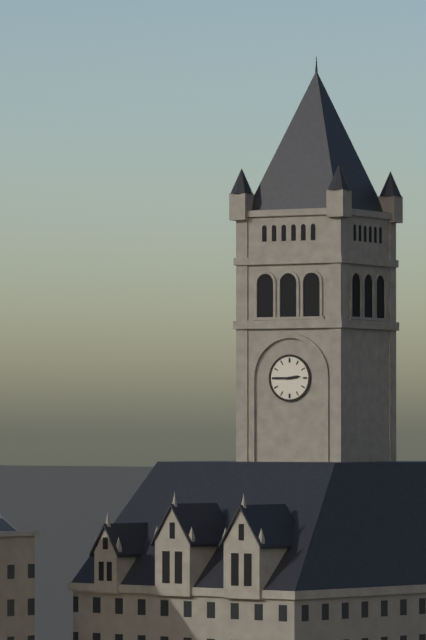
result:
{"hour": 2, "minute": 45}
